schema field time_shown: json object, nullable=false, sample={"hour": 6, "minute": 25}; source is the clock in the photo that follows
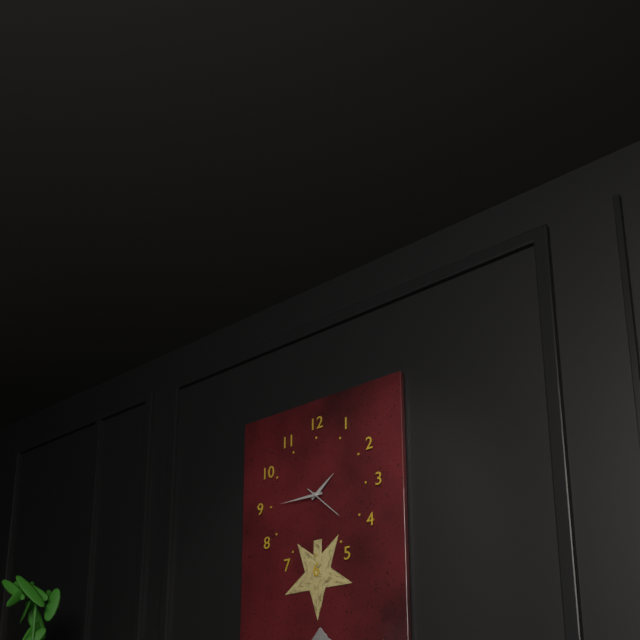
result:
{"hour": 1, "minute": 45}
